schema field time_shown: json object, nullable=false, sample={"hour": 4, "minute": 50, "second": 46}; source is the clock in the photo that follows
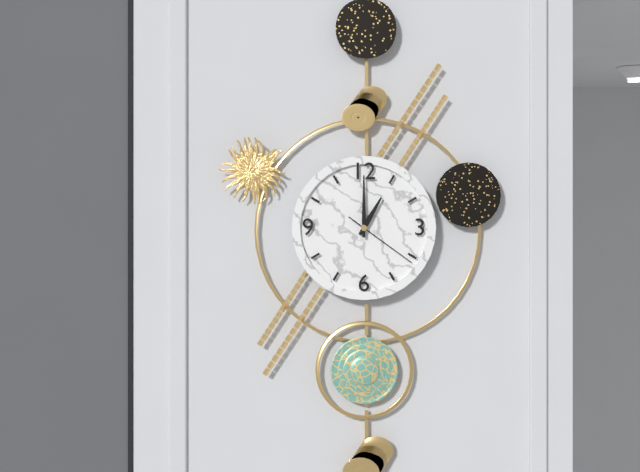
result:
{"hour": 1, "minute": 0, "second": 21}
